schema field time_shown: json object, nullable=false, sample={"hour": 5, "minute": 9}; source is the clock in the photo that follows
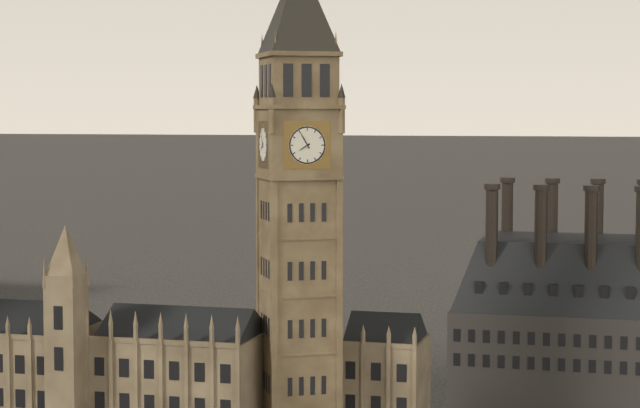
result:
{"hour": 7, "minute": 55}
